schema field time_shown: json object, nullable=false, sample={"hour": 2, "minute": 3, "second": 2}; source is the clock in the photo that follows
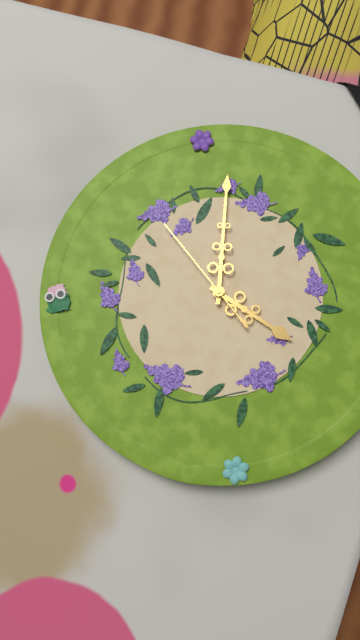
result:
{"hour": 4, "minute": 0, "second": 53}
